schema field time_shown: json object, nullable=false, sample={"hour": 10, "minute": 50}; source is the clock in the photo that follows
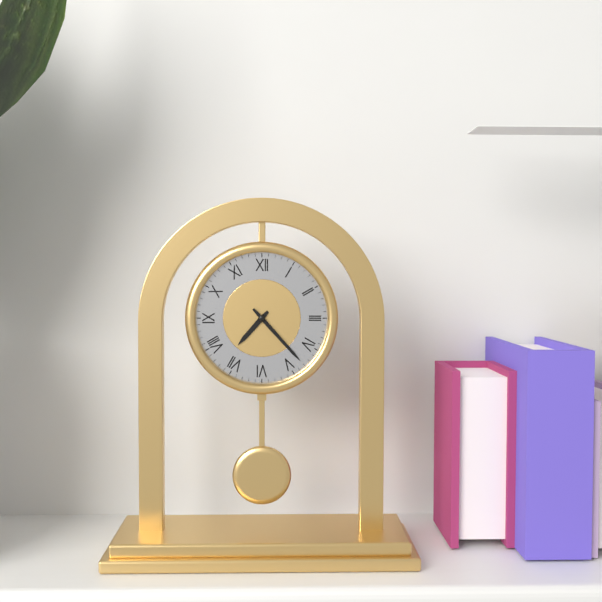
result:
{"hour": 7, "minute": 23}
